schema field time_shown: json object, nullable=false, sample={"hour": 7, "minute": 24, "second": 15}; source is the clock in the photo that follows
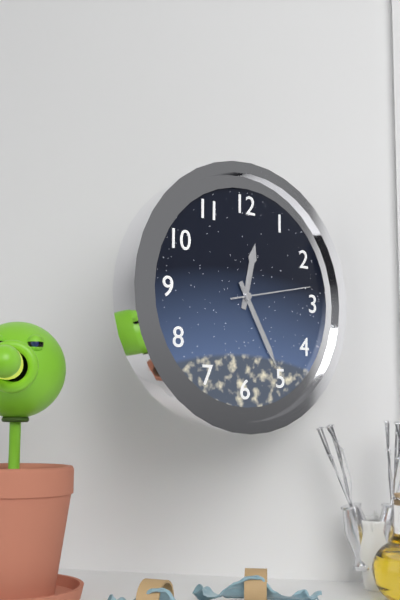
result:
{"hour": 12, "minute": 25, "second": 13}
